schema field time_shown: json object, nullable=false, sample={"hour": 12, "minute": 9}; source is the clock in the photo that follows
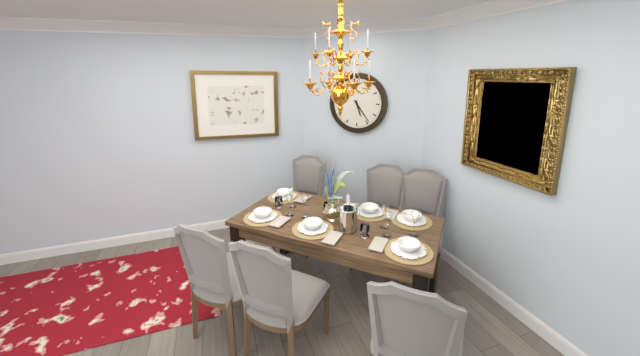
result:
{"hour": 5, "minute": 24}
